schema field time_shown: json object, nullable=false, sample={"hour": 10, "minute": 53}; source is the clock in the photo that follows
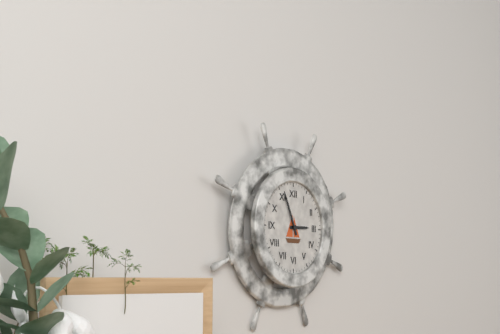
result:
{"hour": 2, "minute": 56}
